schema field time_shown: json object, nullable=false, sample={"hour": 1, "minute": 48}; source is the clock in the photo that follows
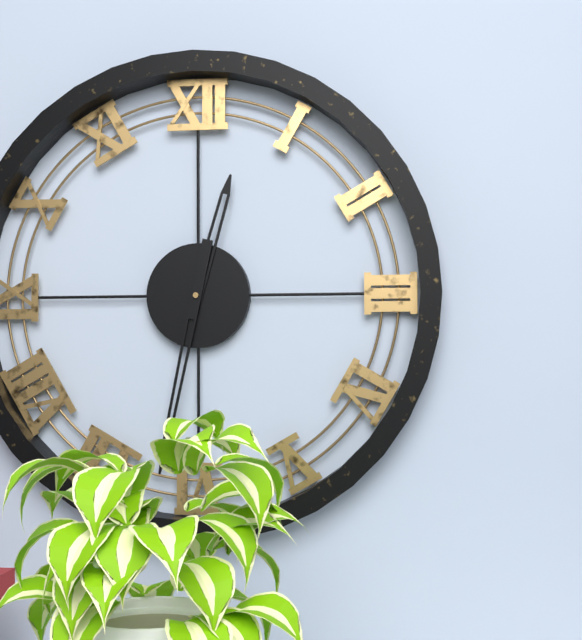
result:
{"hour": 12, "minute": 32}
